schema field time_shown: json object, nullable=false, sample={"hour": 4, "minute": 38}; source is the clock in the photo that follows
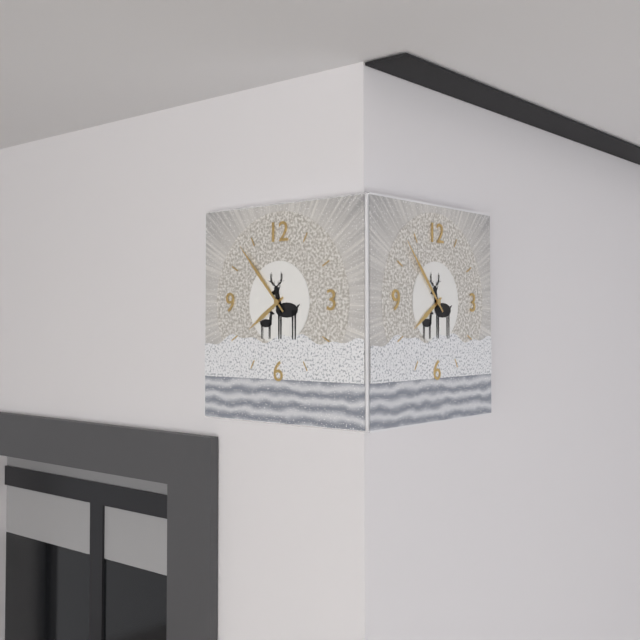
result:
{"hour": 7, "minute": 53}
